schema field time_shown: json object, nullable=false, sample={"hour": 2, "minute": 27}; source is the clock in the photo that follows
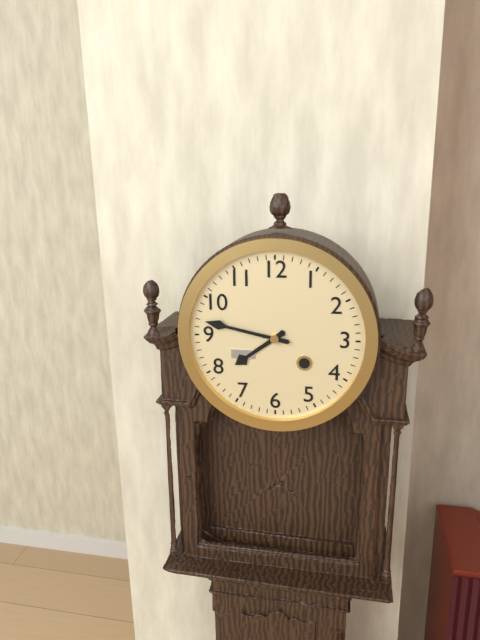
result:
{"hour": 7, "minute": 47}
